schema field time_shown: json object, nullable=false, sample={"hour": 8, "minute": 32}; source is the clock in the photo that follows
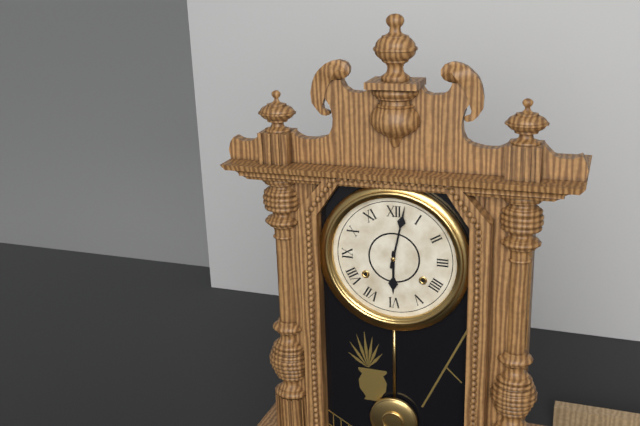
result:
{"hour": 6, "minute": 2}
